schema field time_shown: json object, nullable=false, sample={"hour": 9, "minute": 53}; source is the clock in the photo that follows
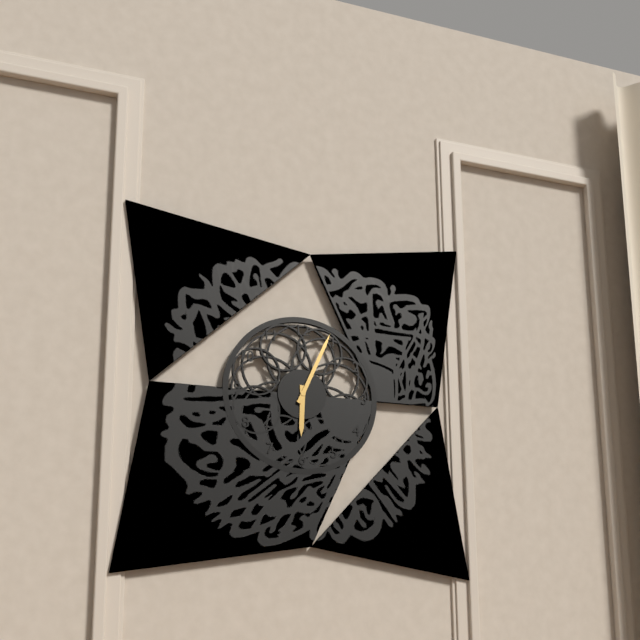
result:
{"hour": 6, "minute": 4}
